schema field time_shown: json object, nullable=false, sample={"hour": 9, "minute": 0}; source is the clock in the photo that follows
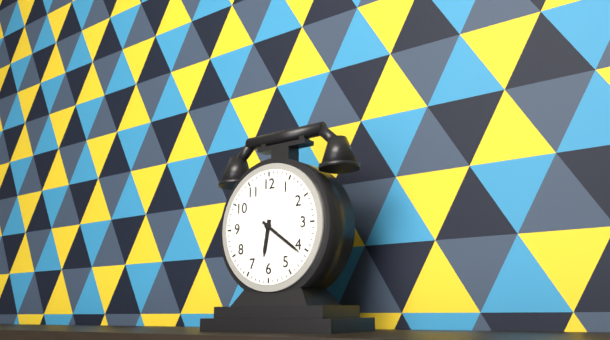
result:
{"hour": 6, "minute": 21}
